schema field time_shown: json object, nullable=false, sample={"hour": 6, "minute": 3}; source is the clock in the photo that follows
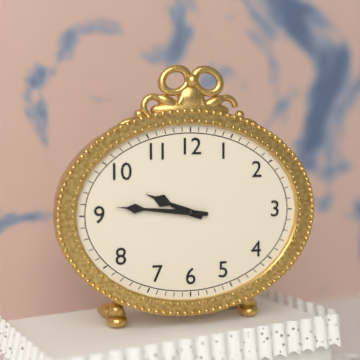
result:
{"hour": 9, "minute": 46}
